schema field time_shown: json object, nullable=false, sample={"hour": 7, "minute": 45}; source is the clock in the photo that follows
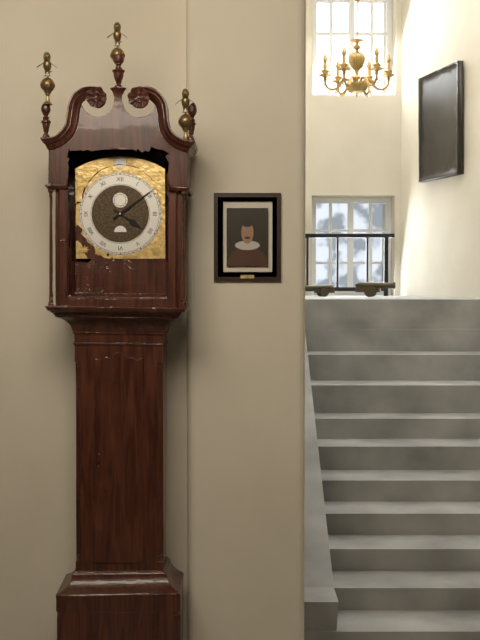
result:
{"hour": 4, "minute": 9}
